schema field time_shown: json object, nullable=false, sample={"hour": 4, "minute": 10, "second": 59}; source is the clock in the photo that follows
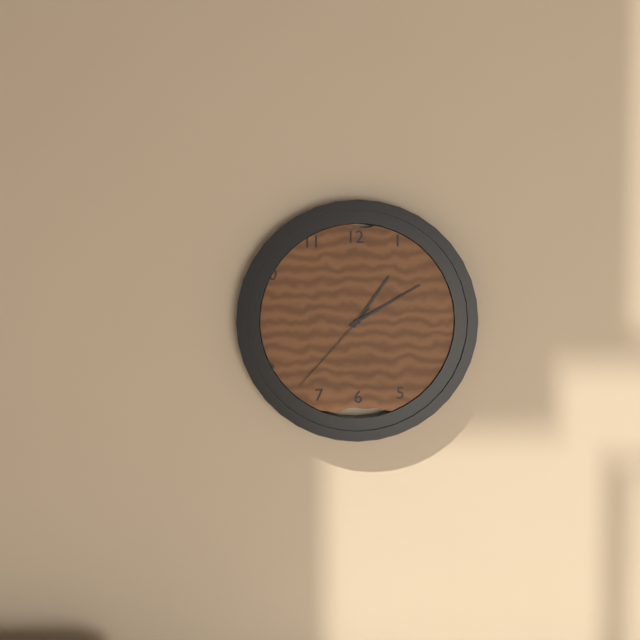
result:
{"hour": 1, "minute": 10, "second": 37}
